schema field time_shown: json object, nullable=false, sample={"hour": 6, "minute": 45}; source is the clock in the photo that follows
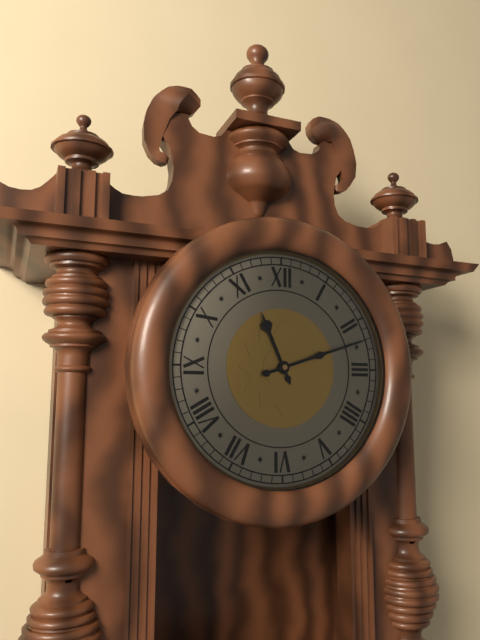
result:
{"hour": 11, "minute": 12}
